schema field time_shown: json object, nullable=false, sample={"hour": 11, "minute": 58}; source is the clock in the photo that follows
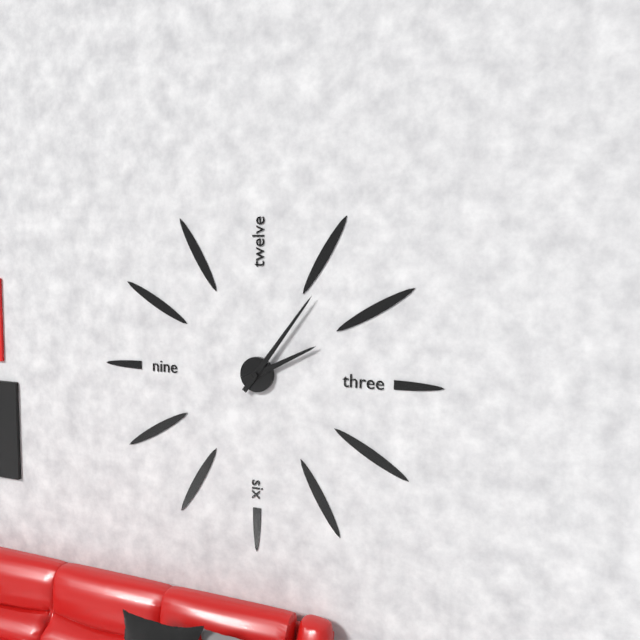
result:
{"hour": 2, "minute": 6}
